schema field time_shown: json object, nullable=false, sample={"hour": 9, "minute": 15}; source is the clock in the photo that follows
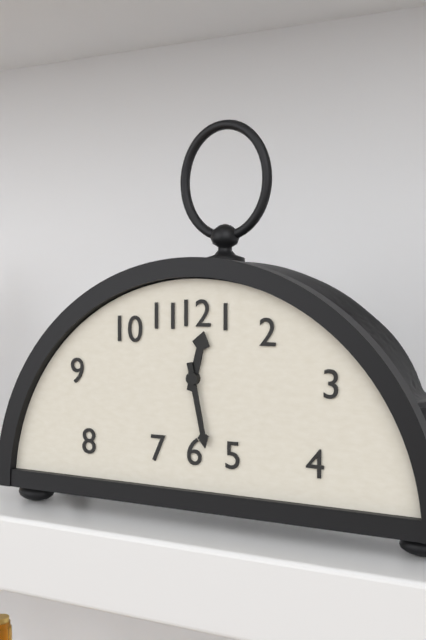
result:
{"hour": 12, "minute": 28}
